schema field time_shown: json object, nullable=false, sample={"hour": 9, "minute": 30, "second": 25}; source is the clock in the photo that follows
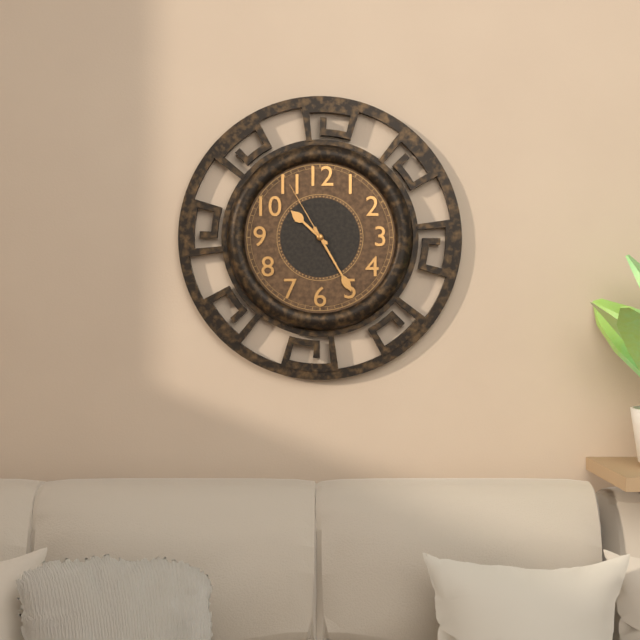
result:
{"hour": 10, "minute": 25, "second": 55}
